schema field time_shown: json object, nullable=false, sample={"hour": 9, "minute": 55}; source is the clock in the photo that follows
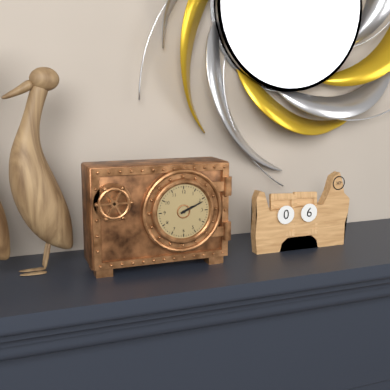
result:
{"hour": 2, "minute": 11}
